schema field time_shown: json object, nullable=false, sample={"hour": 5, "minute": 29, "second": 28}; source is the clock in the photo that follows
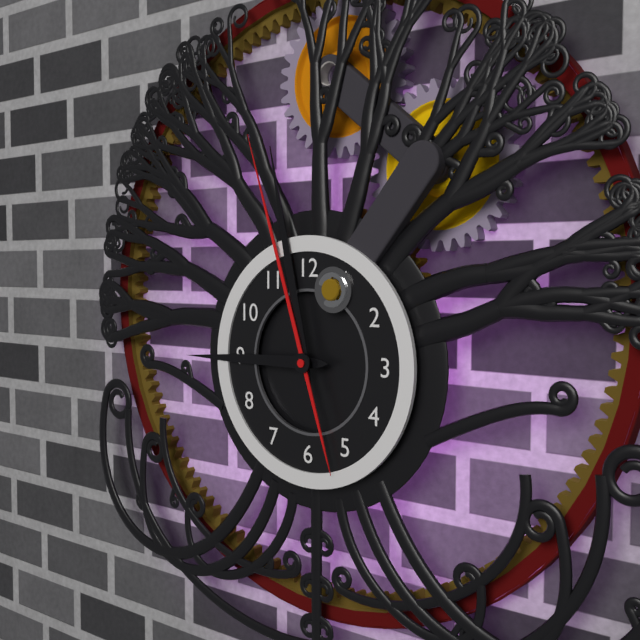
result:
{"hour": 8, "minute": 58, "second": 57}
